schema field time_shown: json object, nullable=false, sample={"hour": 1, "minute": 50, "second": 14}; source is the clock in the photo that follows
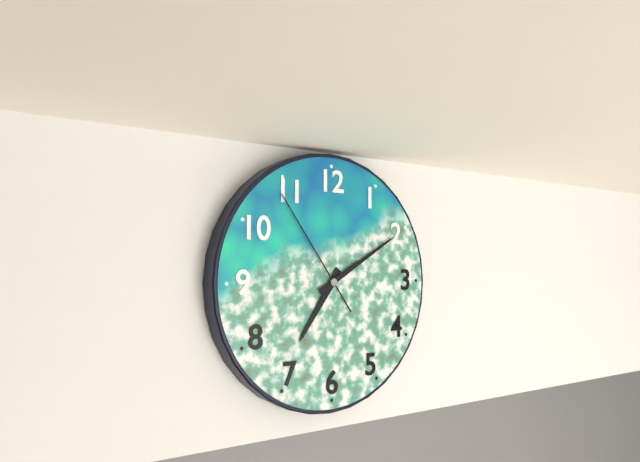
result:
{"hour": 7, "minute": 10, "second": 54}
